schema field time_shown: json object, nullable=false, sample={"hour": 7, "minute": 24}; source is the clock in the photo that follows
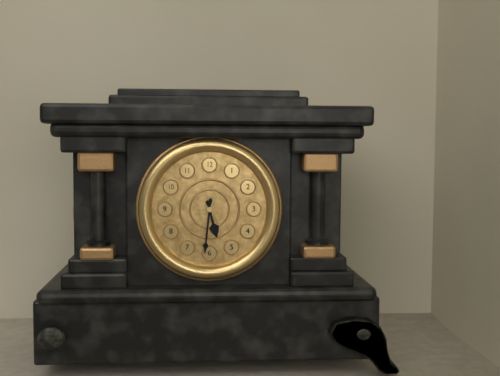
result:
{"hour": 5, "minute": 31}
